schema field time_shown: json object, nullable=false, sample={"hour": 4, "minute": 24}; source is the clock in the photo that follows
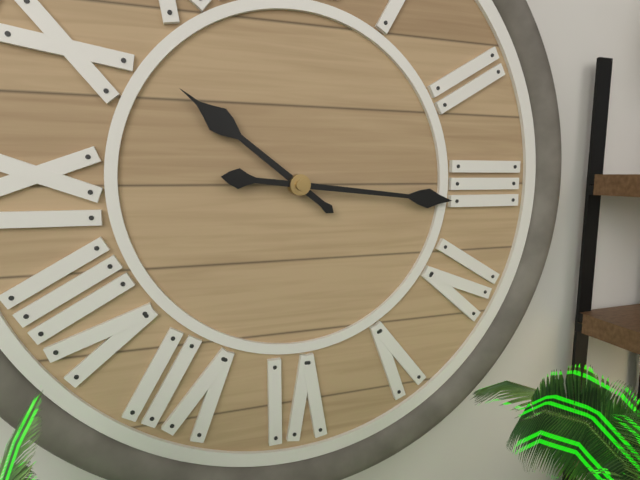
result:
{"hour": 10, "minute": 16}
